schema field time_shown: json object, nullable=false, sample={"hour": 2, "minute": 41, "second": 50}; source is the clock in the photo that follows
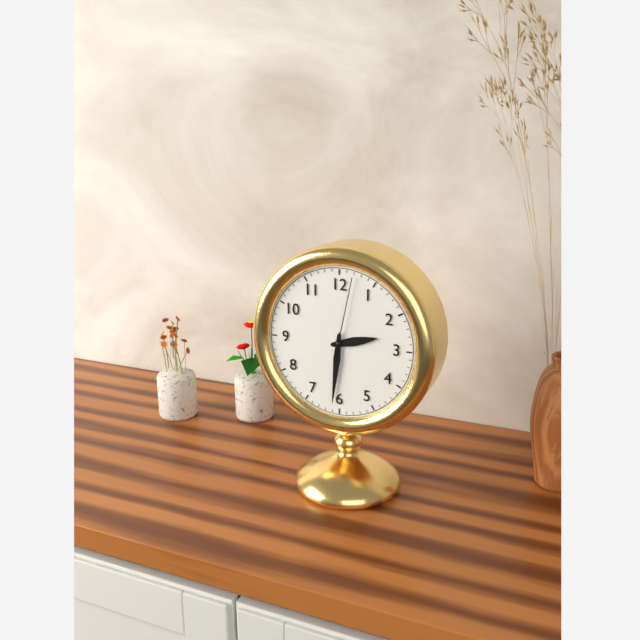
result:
{"hour": 2, "minute": 31, "second": 2}
